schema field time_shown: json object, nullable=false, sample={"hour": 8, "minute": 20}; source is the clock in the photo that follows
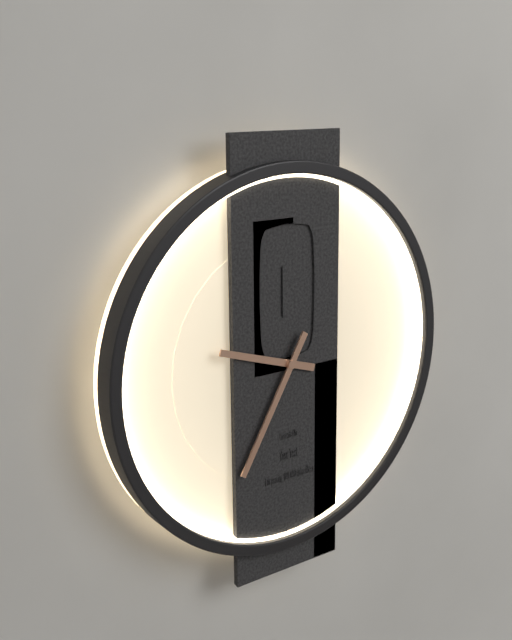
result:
{"hour": 9, "minute": 35}
